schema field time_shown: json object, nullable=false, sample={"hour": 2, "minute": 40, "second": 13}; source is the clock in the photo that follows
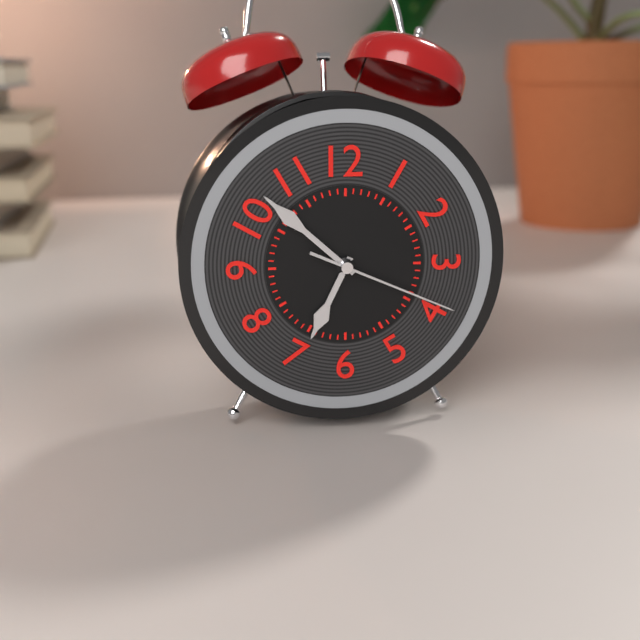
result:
{"hour": 6, "minute": 52, "second": 19}
